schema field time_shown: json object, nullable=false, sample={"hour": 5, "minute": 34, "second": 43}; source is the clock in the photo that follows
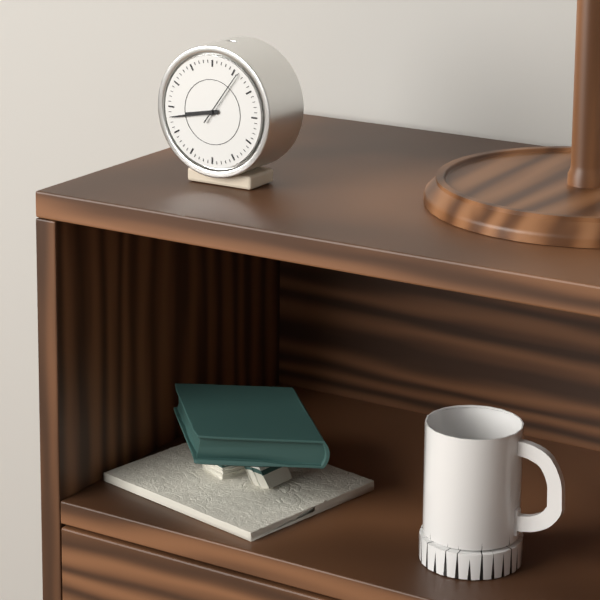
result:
{"hour": 8, "minute": 43, "second": 6}
